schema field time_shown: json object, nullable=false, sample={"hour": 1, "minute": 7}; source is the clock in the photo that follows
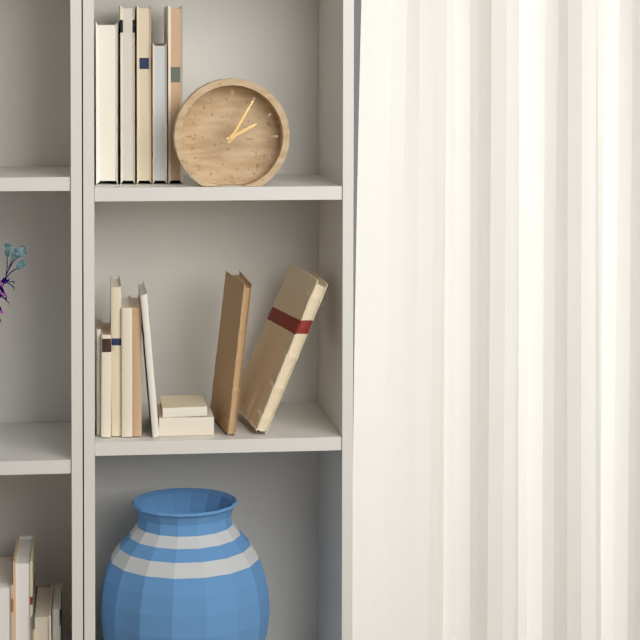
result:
{"hour": 2, "minute": 5}
